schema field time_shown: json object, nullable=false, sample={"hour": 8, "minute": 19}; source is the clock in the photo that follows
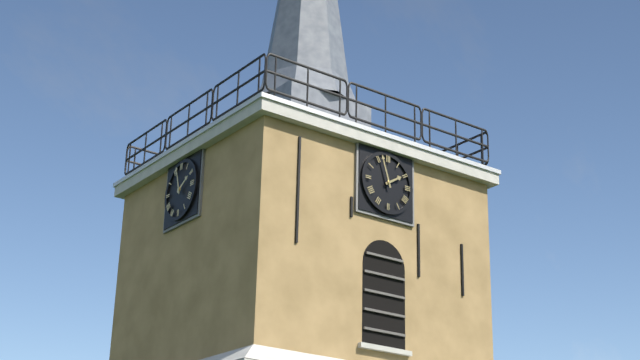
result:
{"hour": 1, "minute": 57}
